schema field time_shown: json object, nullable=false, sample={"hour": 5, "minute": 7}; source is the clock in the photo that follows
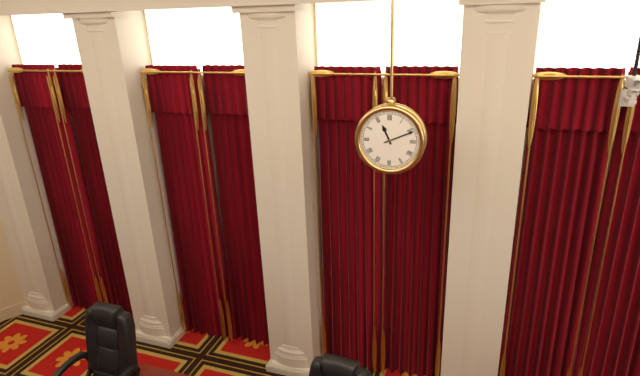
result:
{"hour": 11, "minute": 11}
